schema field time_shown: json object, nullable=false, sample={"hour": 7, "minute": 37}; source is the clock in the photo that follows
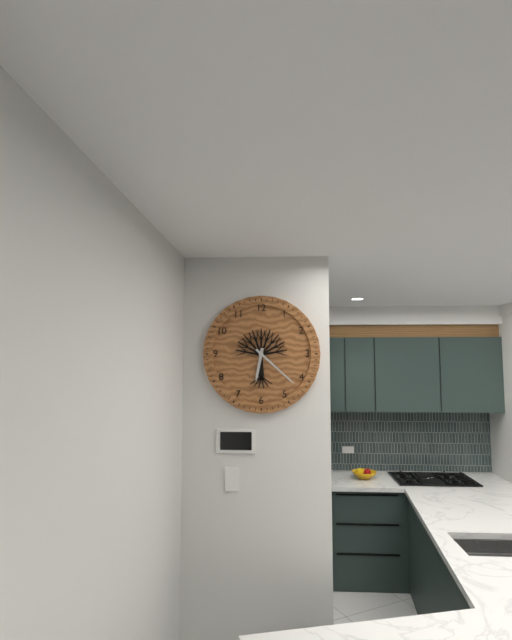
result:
{"hour": 6, "minute": 22}
